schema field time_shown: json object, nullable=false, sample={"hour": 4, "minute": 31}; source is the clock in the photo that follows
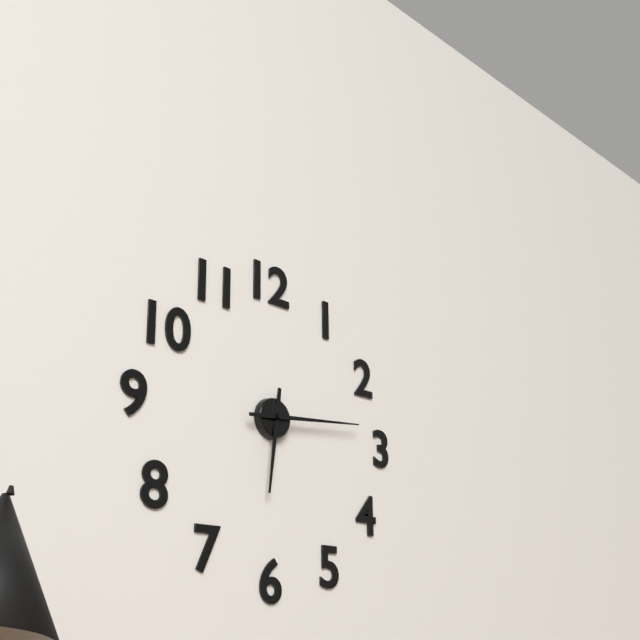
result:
{"hour": 6, "minute": 14}
